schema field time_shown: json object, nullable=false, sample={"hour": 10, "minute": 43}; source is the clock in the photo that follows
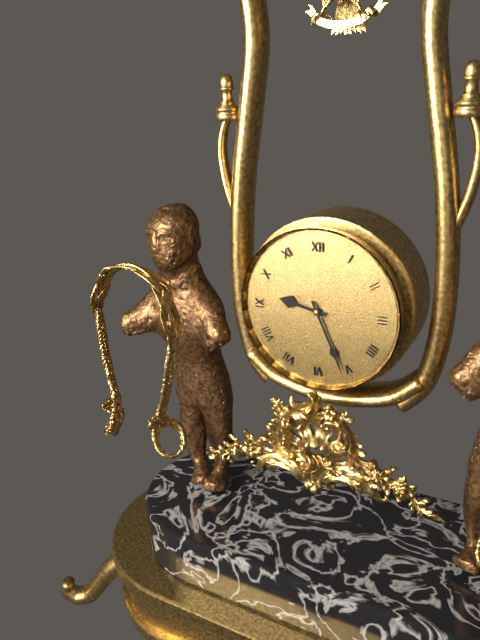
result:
{"hour": 9, "minute": 26}
